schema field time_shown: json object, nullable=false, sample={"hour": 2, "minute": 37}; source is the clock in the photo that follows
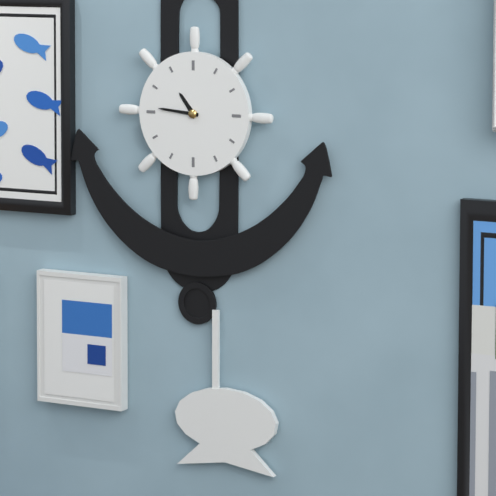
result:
{"hour": 10, "minute": 46}
